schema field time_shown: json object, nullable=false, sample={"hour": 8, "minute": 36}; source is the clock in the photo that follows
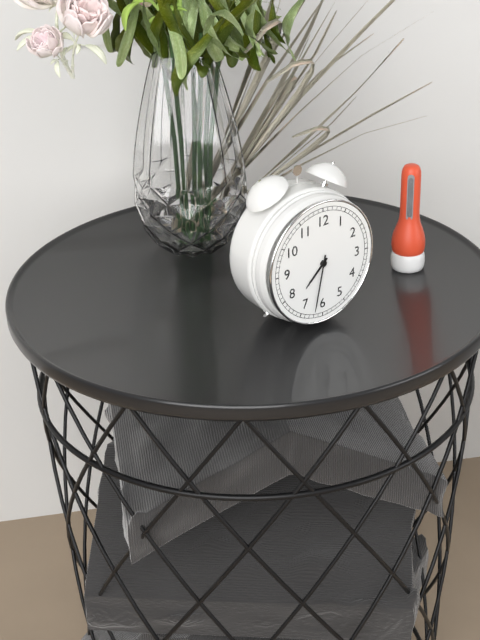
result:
{"hour": 7, "minute": 32}
